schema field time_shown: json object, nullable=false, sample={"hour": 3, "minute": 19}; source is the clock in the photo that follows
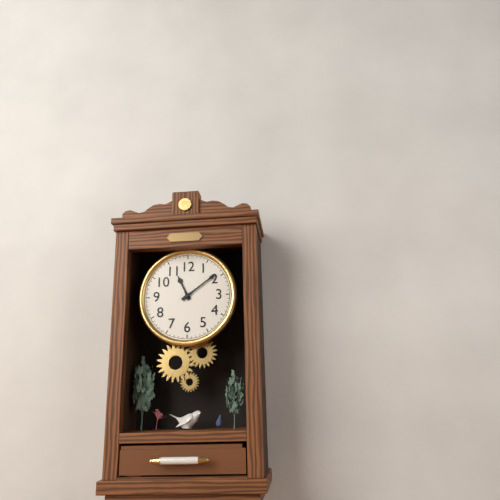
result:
{"hour": 11, "minute": 9}
